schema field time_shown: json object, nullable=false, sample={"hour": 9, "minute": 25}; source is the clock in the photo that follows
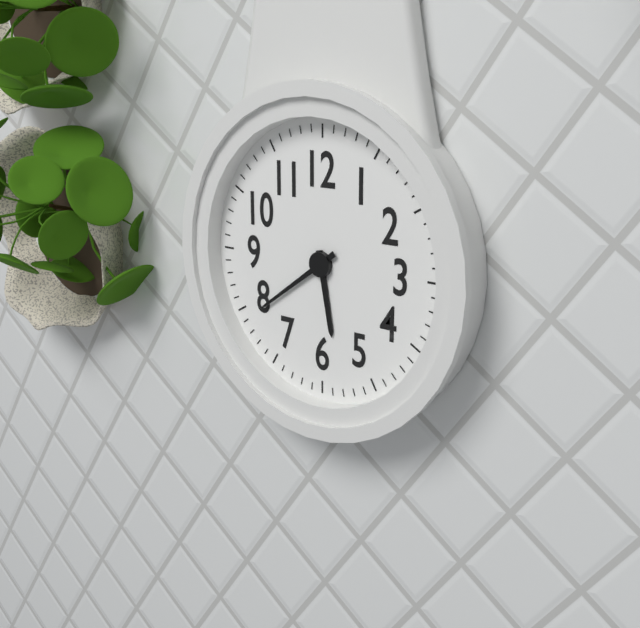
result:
{"hour": 5, "minute": 39}
